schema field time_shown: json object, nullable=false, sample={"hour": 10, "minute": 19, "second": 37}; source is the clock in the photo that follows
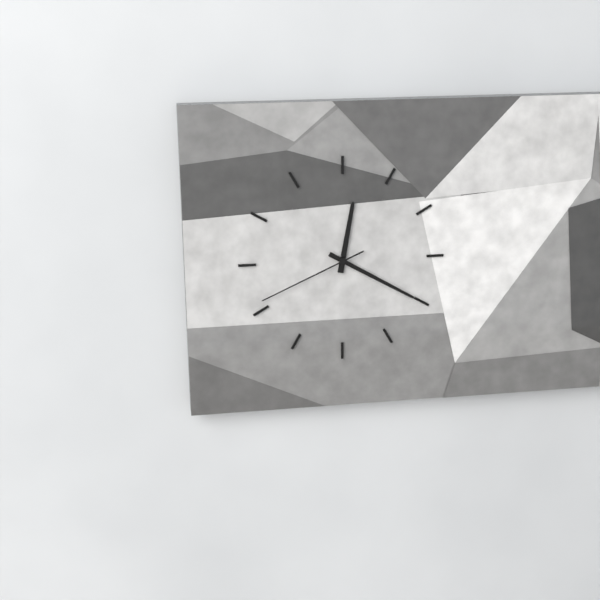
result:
{"hour": 12, "minute": 20, "second": 41}
